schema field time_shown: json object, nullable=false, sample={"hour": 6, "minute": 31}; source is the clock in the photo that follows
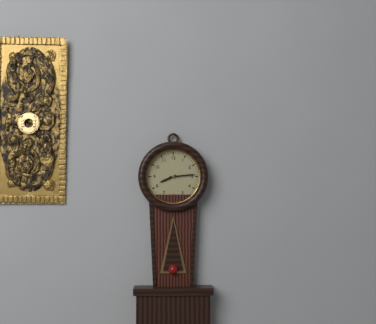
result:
{"hour": 8, "minute": 14}
